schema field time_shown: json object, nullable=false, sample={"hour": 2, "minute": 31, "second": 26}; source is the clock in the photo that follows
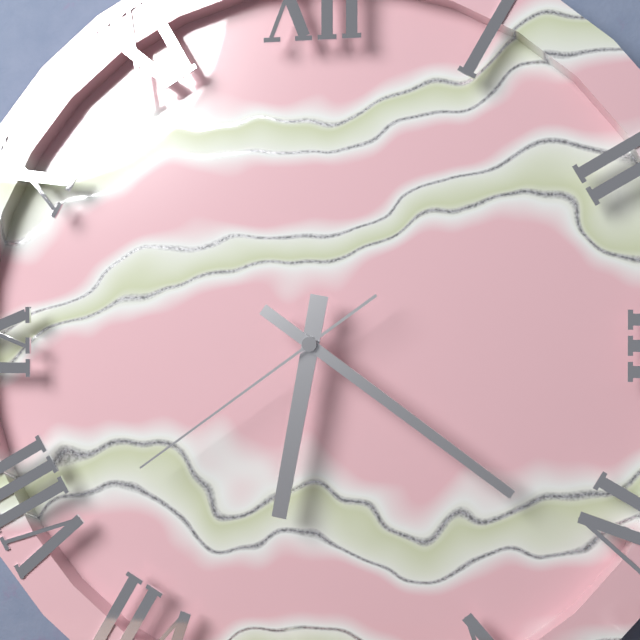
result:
{"hour": 6, "minute": 21, "second": 39}
